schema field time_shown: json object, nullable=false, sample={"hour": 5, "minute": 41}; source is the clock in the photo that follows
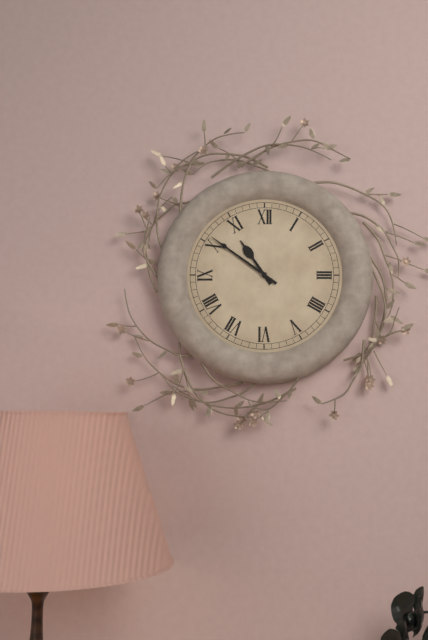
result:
{"hour": 10, "minute": 51}
